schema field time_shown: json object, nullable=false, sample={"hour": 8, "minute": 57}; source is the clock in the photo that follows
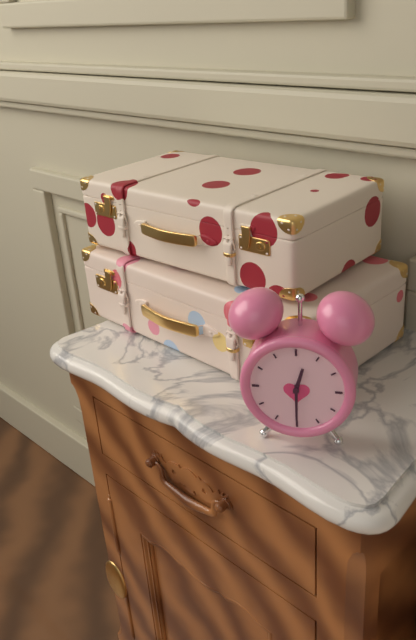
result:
{"hour": 12, "minute": 30}
